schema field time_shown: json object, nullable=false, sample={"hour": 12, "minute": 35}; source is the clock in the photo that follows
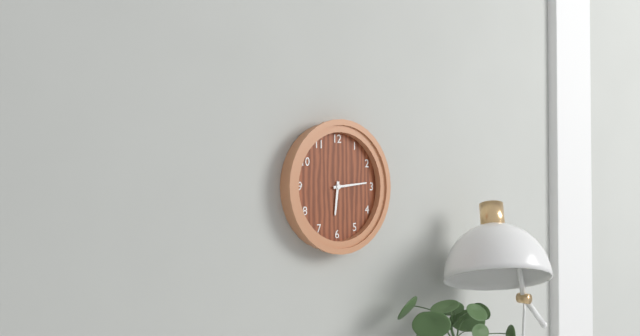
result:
{"hour": 6, "minute": 14}
